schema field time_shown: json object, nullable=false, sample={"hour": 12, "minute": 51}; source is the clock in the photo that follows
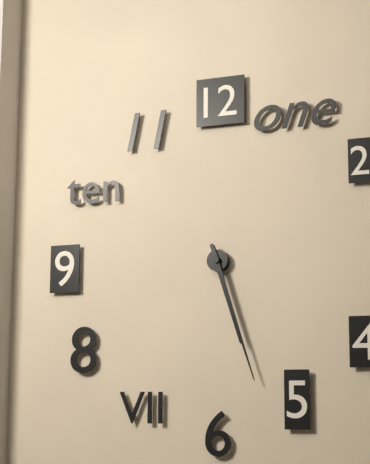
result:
{"hour": 5, "minute": 27}
